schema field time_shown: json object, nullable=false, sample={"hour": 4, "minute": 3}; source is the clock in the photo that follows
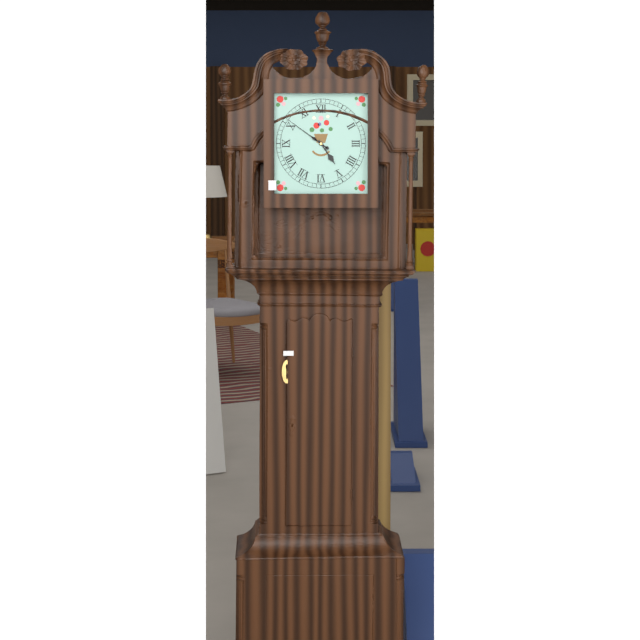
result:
{"hour": 4, "minute": 51}
